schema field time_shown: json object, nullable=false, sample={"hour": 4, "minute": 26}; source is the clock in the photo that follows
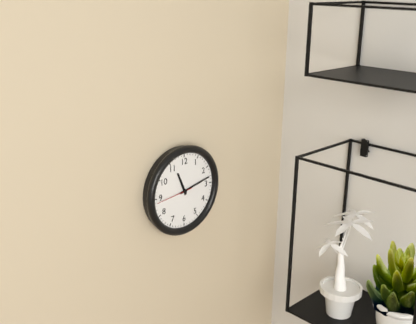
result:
{"hour": 11, "minute": 13}
